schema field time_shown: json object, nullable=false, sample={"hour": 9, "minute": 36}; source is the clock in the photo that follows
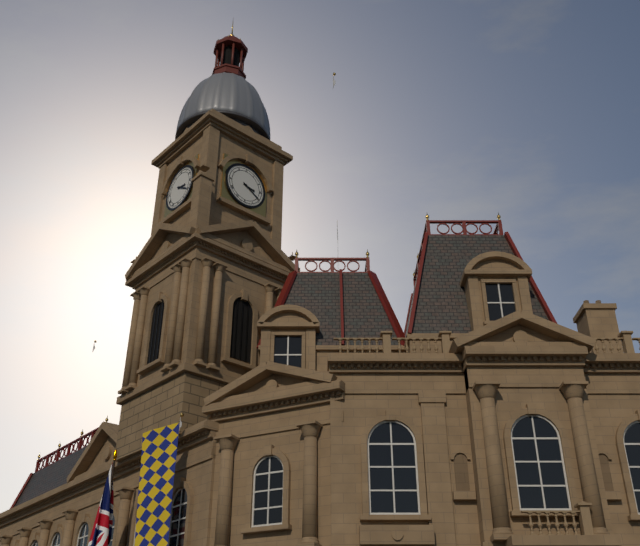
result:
{"hour": 3, "minute": 20}
